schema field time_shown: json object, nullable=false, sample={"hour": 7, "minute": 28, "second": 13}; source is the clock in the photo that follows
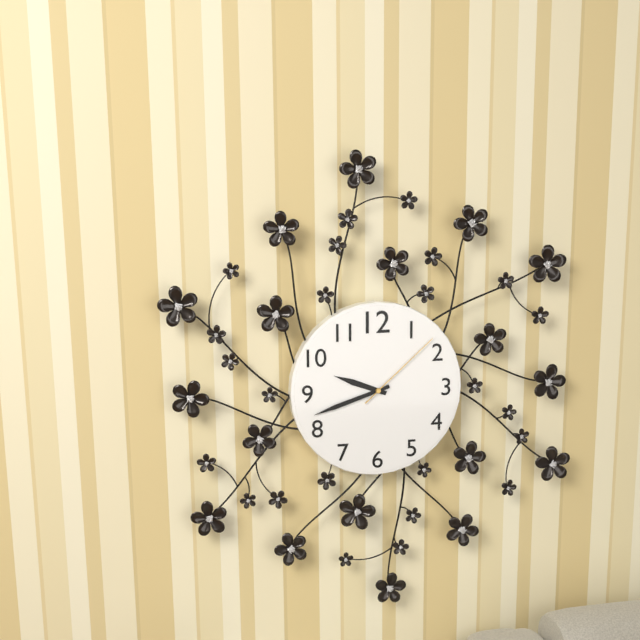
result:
{"hour": 9, "minute": 42, "second": 8}
